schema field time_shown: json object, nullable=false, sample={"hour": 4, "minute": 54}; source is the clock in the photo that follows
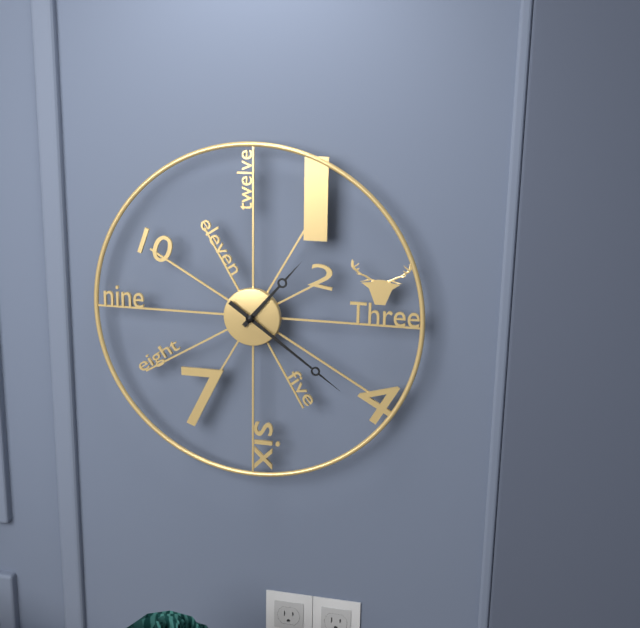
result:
{"hour": 1, "minute": 21}
